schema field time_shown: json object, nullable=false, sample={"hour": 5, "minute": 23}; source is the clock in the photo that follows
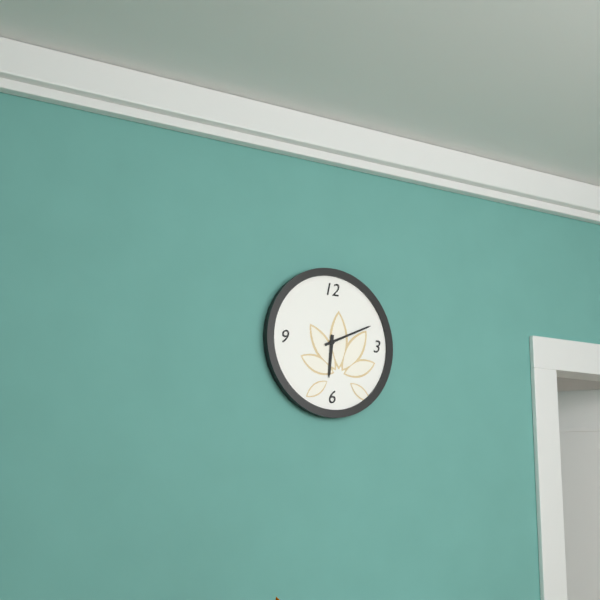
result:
{"hour": 6, "minute": 11}
